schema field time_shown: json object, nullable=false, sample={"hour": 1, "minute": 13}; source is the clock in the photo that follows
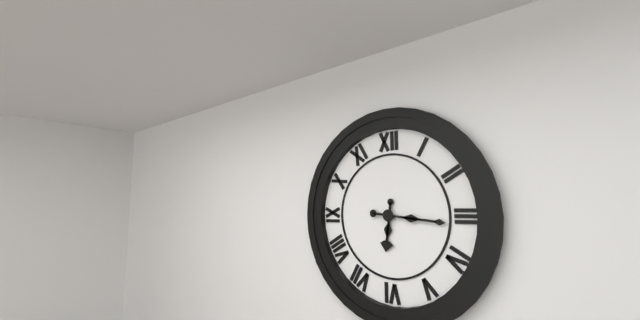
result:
{"hour": 6, "minute": 16}
